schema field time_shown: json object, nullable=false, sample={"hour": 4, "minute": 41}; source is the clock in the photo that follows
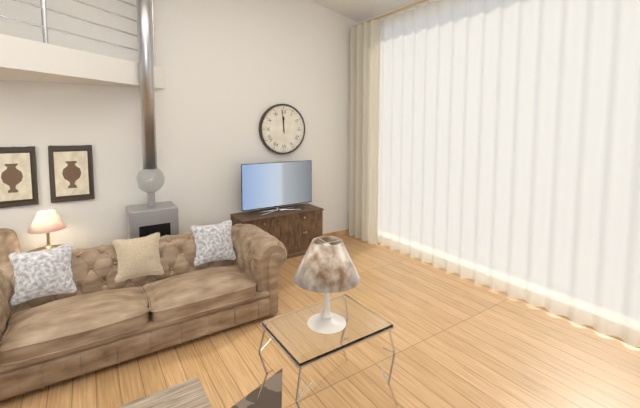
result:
{"hour": 11, "minute": 59}
